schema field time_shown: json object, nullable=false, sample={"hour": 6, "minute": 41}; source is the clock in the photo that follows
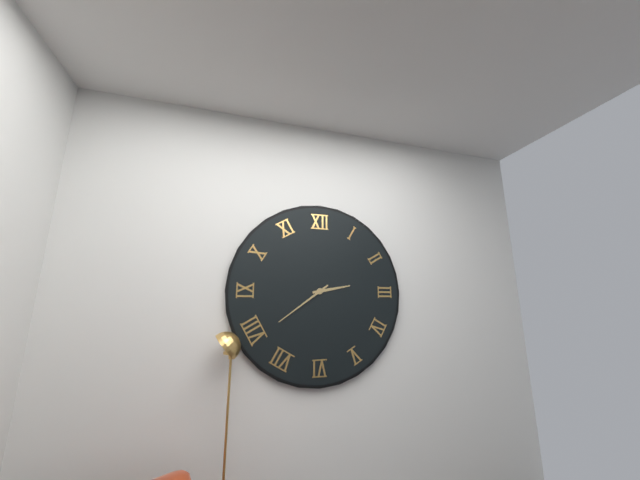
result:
{"hour": 2, "minute": 39}
